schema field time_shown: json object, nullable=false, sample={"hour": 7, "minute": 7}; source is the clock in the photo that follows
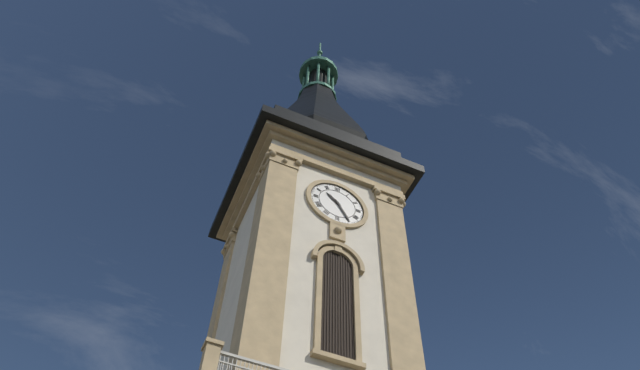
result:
{"hour": 10, "minute": 25}
